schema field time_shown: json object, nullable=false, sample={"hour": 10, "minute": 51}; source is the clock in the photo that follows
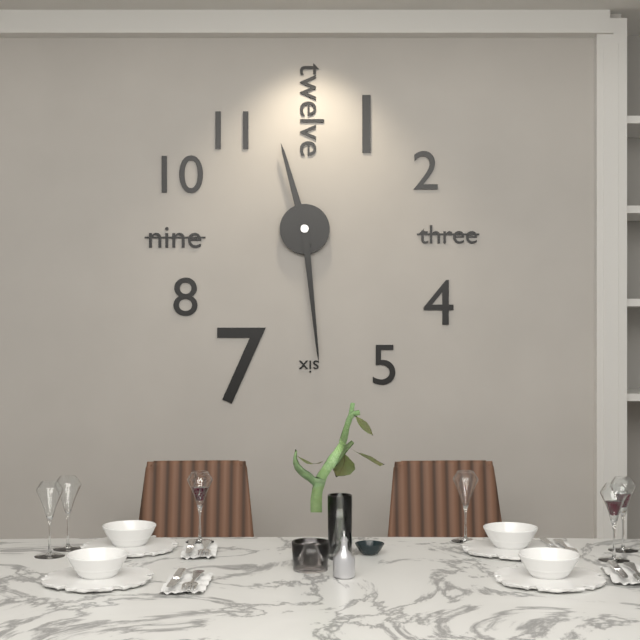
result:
{"hour": 11, "minute": 29}
